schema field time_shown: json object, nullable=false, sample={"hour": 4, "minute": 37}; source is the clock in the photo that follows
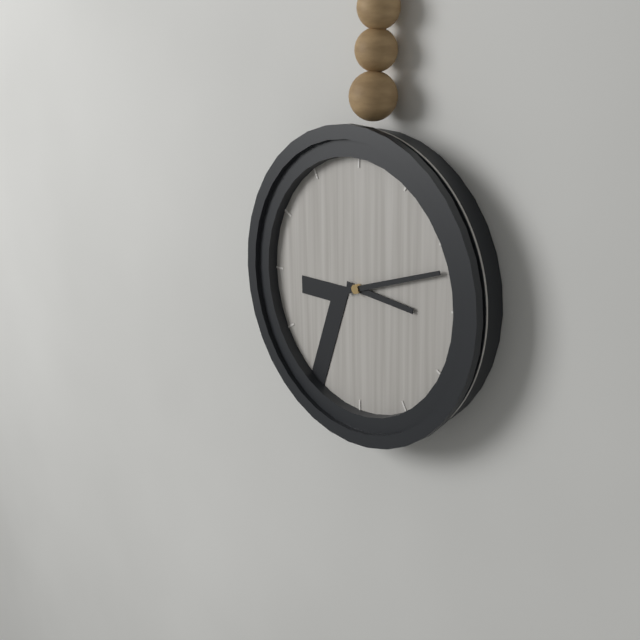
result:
{"hour": 3, "minute": 12}
